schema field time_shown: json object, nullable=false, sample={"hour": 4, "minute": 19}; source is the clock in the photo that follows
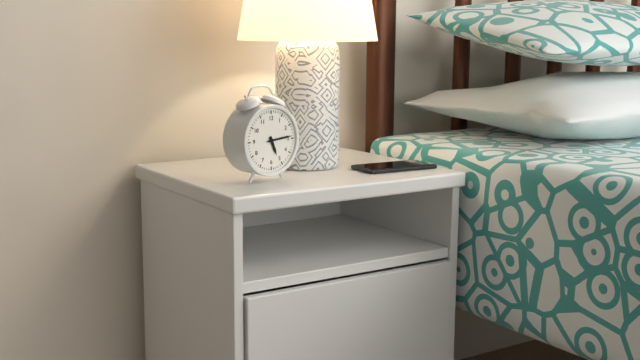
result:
{"hour": 5, "minute": 14}
